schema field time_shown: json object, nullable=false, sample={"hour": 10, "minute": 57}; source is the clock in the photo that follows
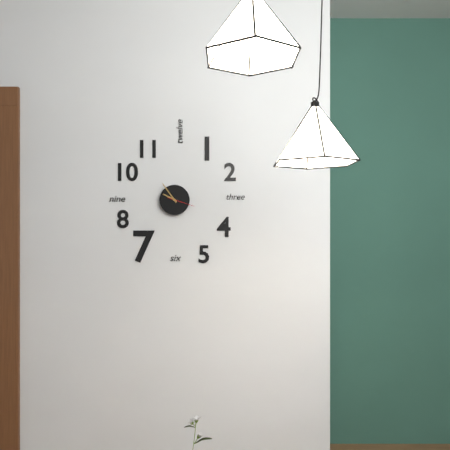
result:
{"hour": 9, "minute": 54}
